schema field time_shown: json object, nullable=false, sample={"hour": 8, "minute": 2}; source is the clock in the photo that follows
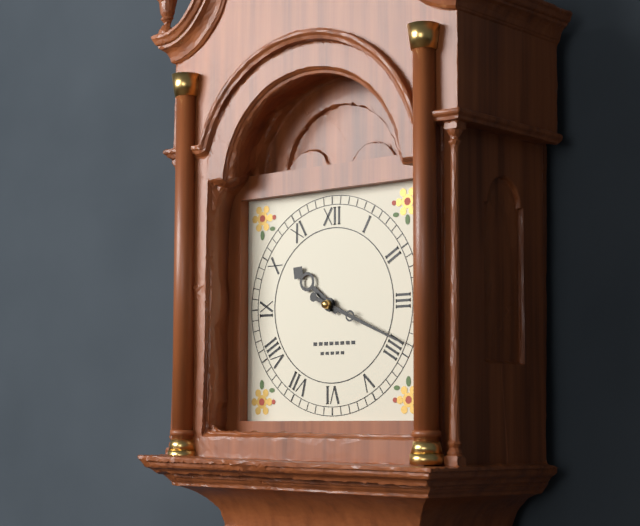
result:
{"hour": 10, "minute": 19}
